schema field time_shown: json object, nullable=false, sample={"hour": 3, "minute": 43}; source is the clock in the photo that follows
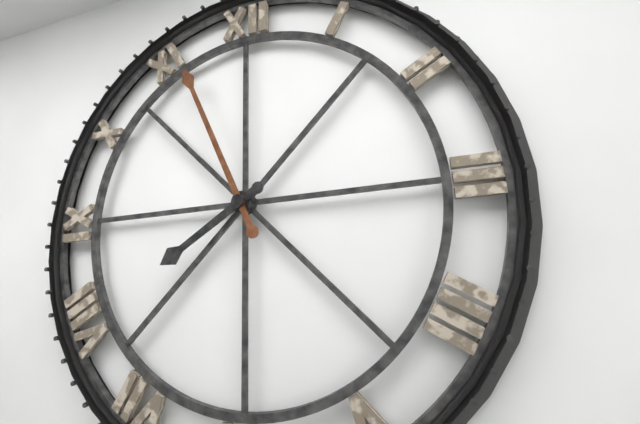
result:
{"hour": 7, "minute": 56}
